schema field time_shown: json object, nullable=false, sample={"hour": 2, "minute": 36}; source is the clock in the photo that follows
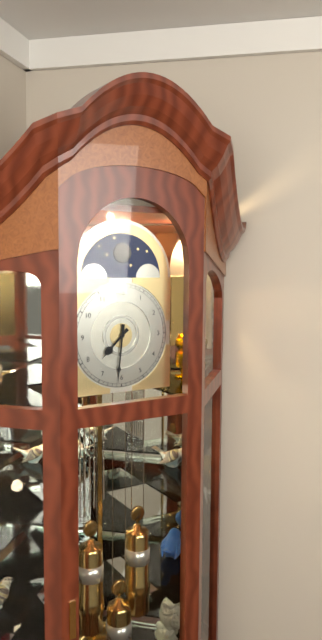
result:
{"hour": 7, "minute": 31}
